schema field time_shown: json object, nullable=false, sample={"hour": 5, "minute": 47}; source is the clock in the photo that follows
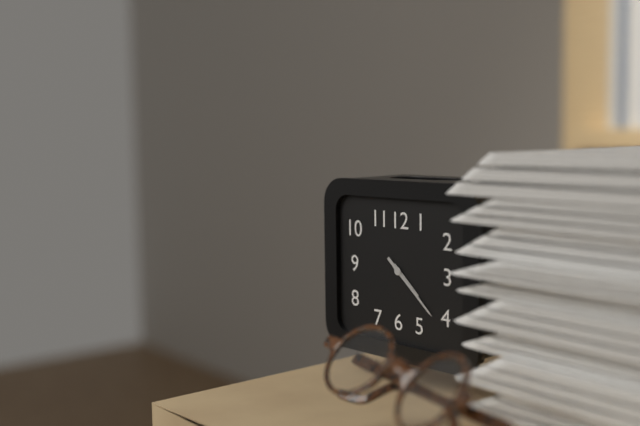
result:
{"hour": 4, "minute": 22}
